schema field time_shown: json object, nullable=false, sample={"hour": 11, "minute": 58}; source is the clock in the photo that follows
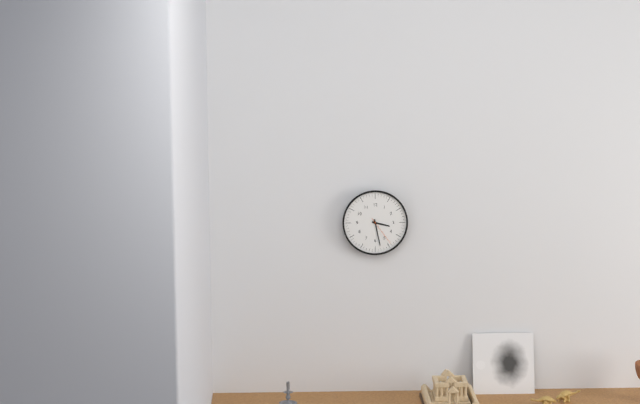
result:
{"hour": 3, "minute": 28}
